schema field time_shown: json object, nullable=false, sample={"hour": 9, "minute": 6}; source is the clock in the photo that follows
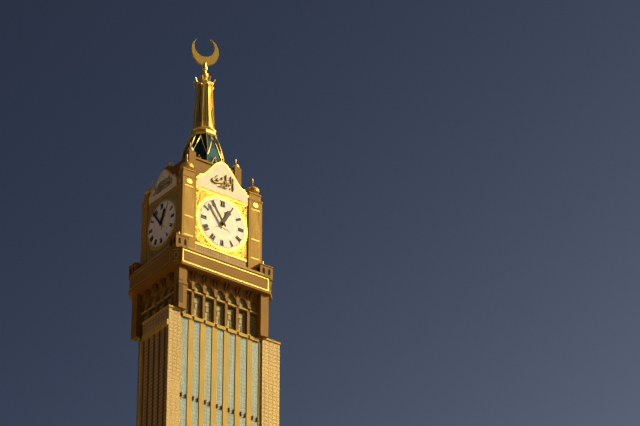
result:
{"hour": 12, "minute": 54}
